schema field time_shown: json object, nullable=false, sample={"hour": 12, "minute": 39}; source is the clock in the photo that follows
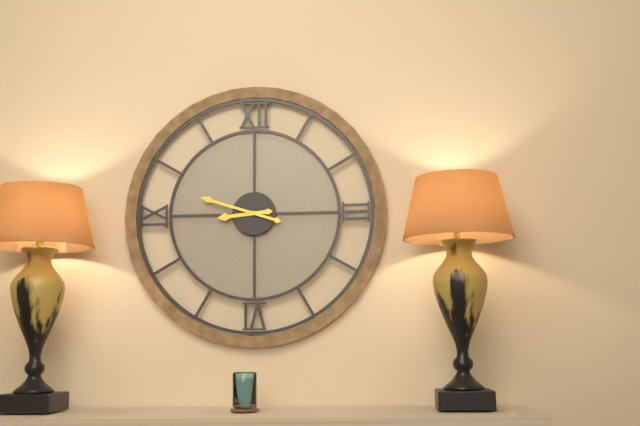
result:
{"hour": 8, "minute": 48}
